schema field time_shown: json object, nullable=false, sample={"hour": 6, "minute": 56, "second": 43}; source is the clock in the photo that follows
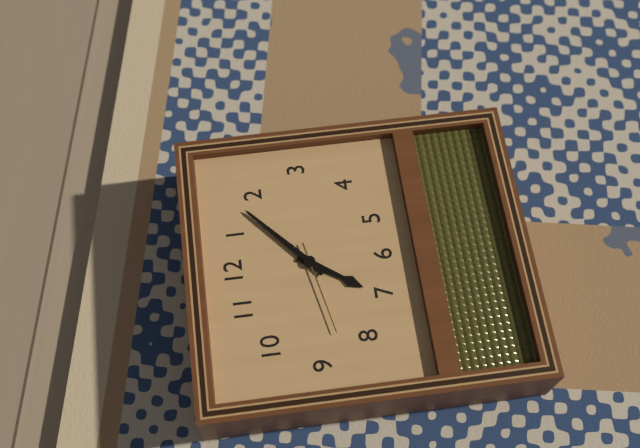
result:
{"hour": 7, "minute": 8, "second": 43}
